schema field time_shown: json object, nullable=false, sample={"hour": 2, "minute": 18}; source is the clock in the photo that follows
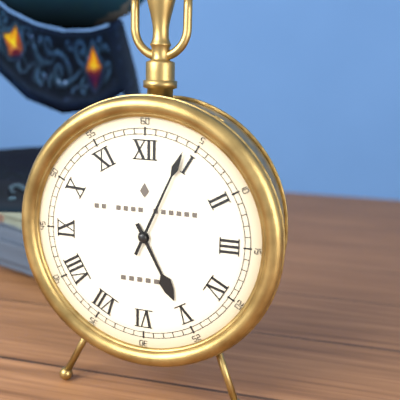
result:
{"hour": 5, "minute": 4}
